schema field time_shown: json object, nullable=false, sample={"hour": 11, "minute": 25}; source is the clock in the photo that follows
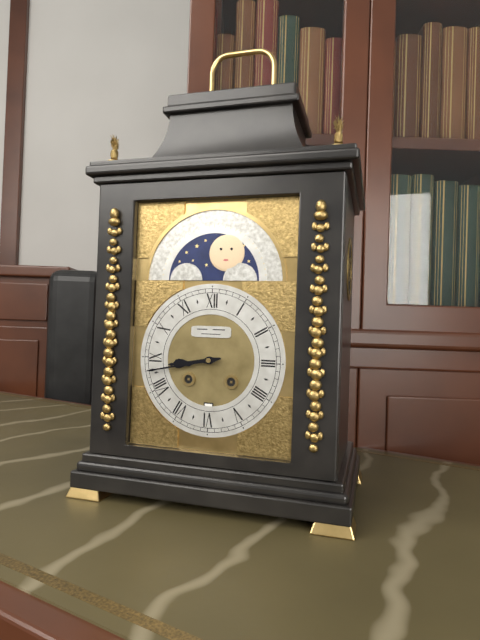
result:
{"hour": 8, "minute": 43}
